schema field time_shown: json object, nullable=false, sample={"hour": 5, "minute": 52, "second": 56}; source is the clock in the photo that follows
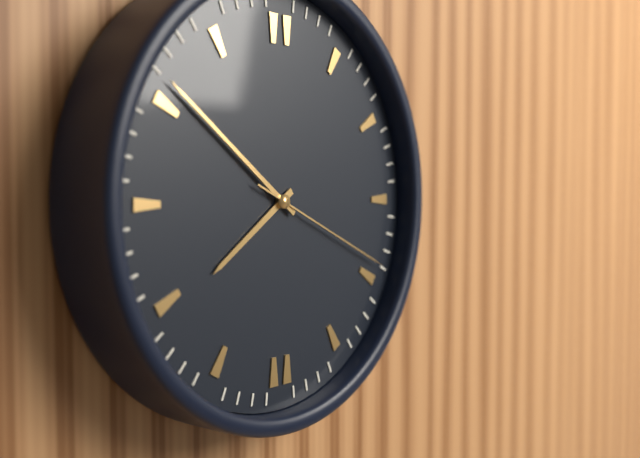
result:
{"hour": 7, "minute": 51, "second": 19}
